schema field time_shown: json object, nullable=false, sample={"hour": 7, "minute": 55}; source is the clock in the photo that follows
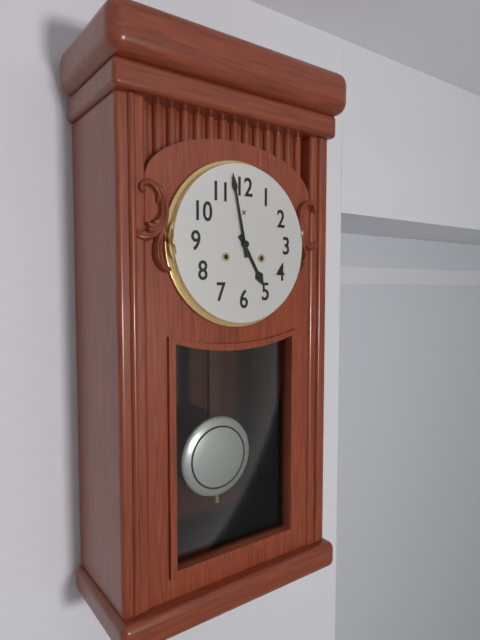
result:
{"hour": 4, "minute": 58}
